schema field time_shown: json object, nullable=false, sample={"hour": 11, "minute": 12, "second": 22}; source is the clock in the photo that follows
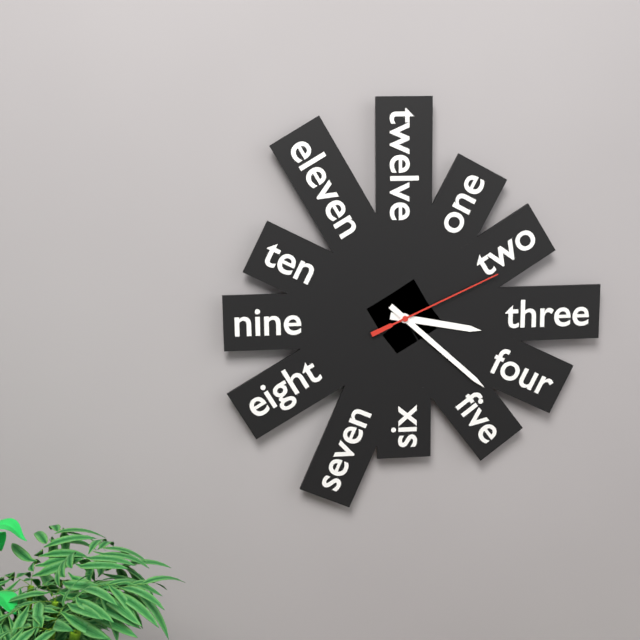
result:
{"hour": 3, "minute": 22, "second": 11}
